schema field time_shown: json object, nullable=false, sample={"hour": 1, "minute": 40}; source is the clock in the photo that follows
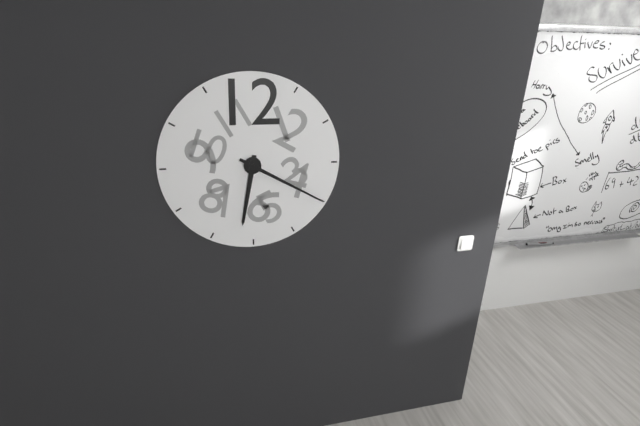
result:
{"hour": 6, "minute": 20}
